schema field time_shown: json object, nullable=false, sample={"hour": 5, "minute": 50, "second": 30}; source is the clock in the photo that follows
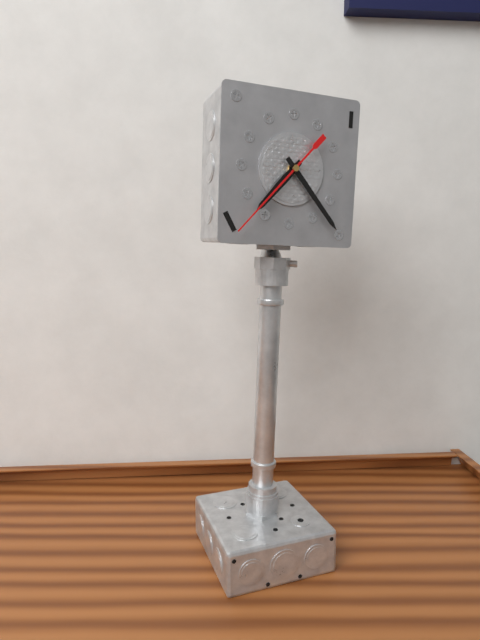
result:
{"hour": 7, "minute": 23, "second": 37}
